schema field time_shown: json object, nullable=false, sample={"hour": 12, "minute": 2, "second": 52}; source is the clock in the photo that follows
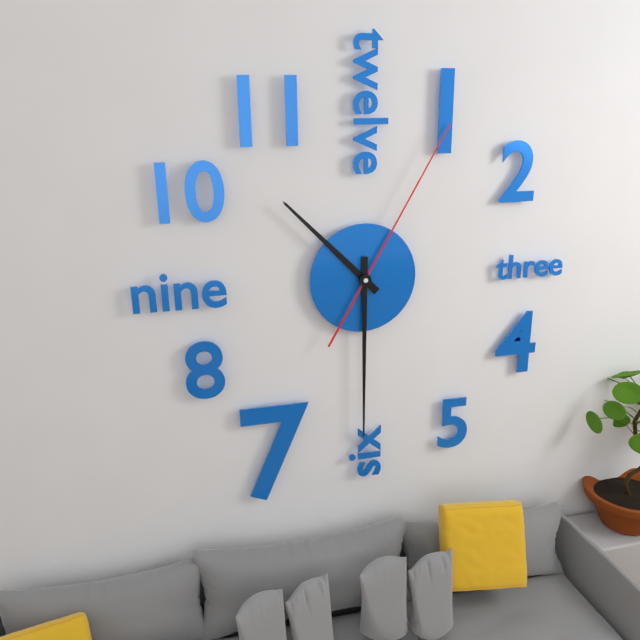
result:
{"hour": 10, "minute": 30, "second": 5}
